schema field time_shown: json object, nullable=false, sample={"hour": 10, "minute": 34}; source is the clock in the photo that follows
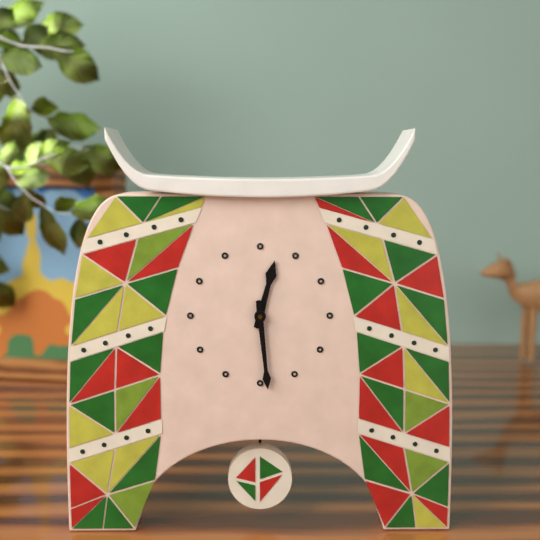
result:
{"hour": 12, "minute": 29}
